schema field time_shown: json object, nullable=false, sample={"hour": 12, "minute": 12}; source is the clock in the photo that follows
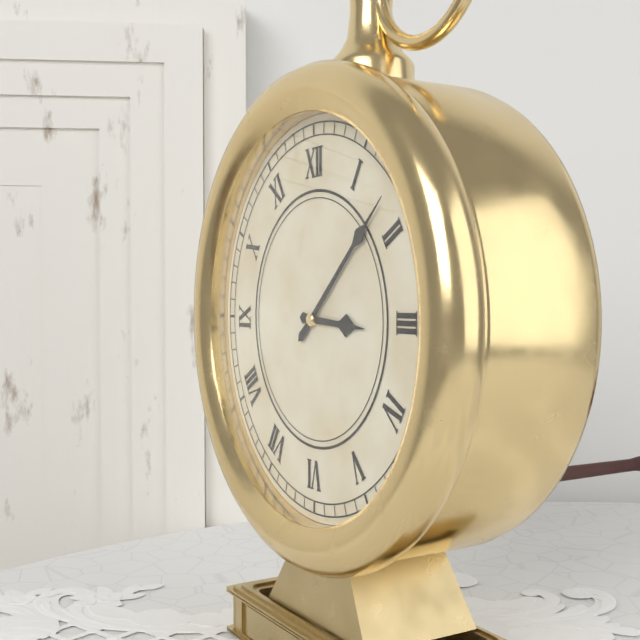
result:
{"hour": 3, "minute": 8}
